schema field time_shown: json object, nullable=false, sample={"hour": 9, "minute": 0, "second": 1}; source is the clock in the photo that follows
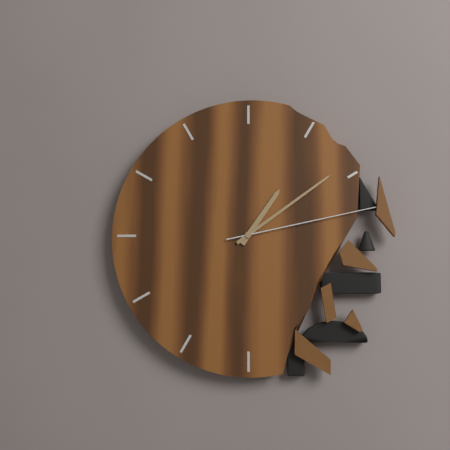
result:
{"hour": 1, "minute": 9, "second": 13}
